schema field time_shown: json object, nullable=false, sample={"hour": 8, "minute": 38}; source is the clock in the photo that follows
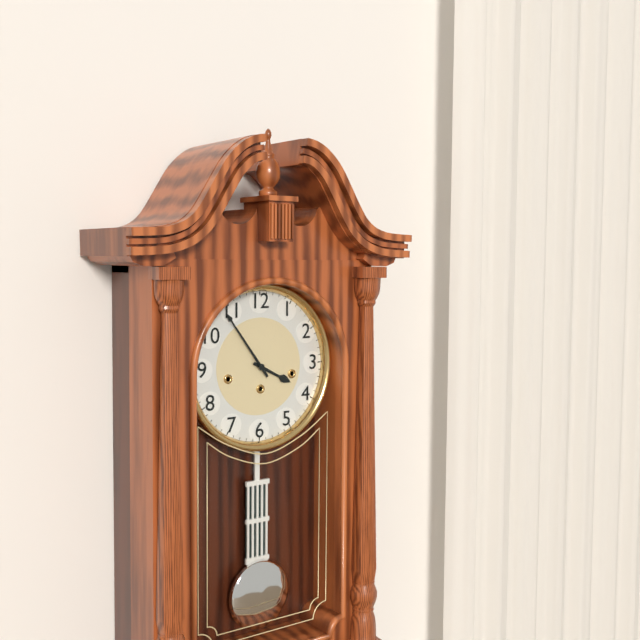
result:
{"hour": 3, "minute": 54}
